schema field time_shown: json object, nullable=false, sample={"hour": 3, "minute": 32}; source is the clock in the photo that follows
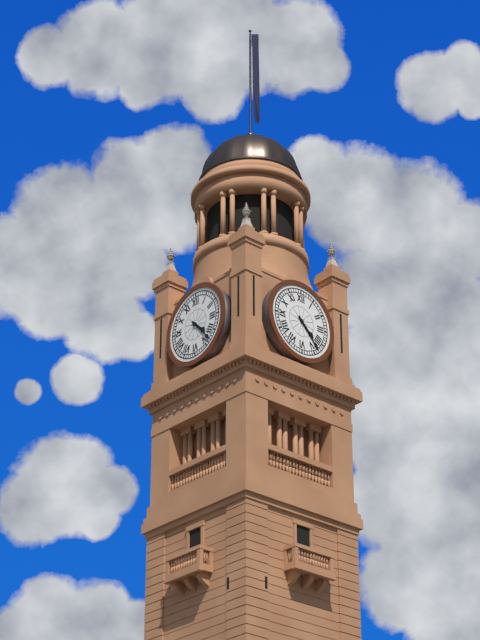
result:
{"hour": 4, "minute": 23}
